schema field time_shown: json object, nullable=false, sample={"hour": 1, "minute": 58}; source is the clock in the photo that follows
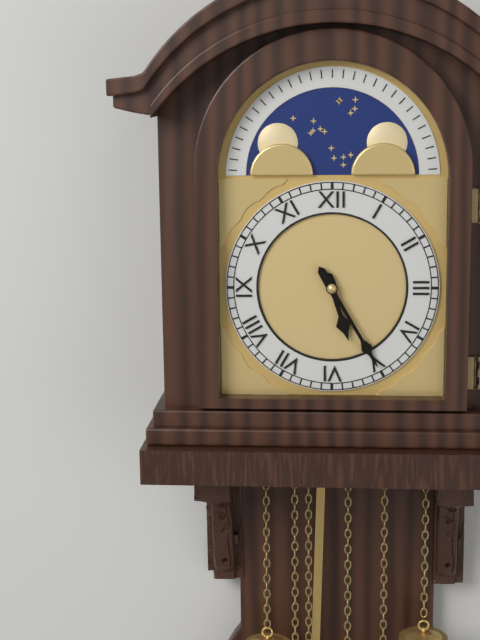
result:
{"hour": 5, "minute": 25}
